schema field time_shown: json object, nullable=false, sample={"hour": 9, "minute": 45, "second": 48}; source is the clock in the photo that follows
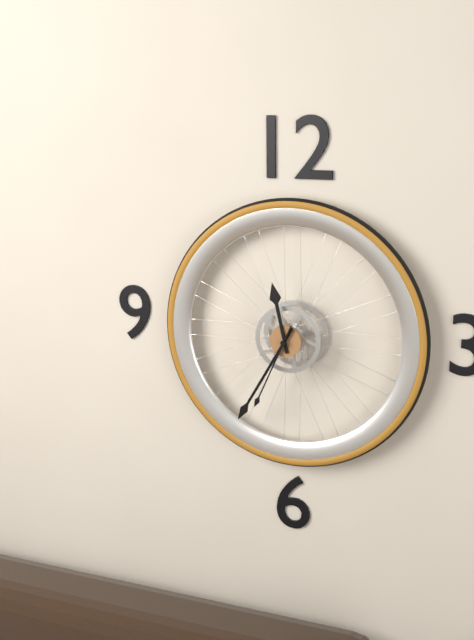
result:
{"hour": 11, "minute": 35, "second": 34}
